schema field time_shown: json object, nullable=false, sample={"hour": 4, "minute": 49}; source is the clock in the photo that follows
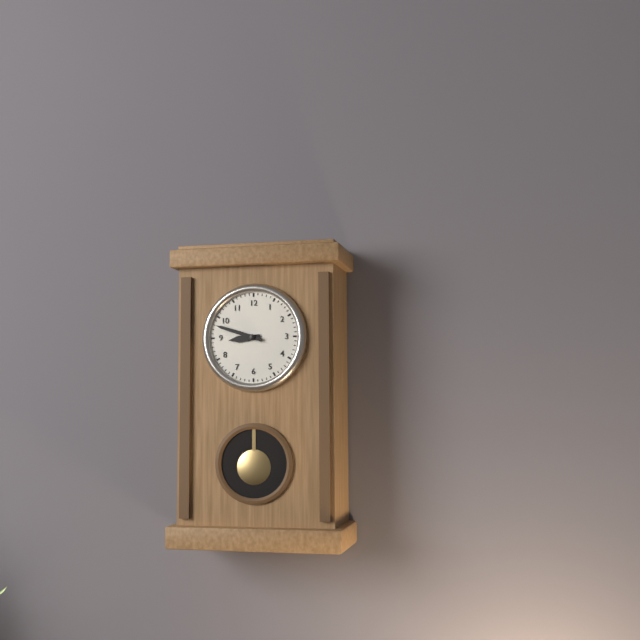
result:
{"hour": 8, "minute": 48}
